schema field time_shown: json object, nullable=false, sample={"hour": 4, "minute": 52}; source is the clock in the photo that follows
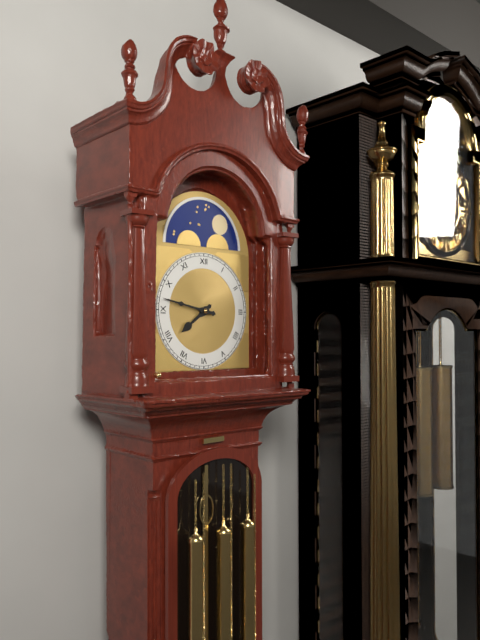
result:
{"hour": 7, "minute": 47}
